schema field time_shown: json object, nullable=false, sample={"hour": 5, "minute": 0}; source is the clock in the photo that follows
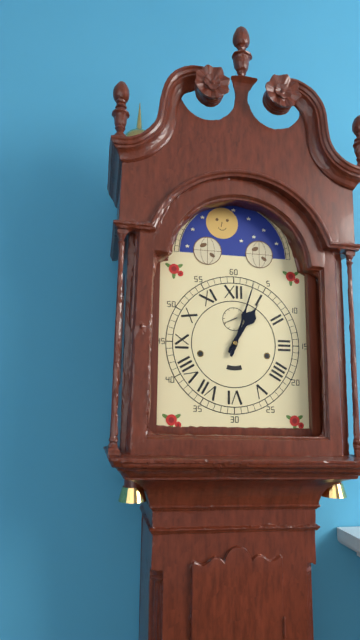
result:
{"hour": 1, "minute": 3}
